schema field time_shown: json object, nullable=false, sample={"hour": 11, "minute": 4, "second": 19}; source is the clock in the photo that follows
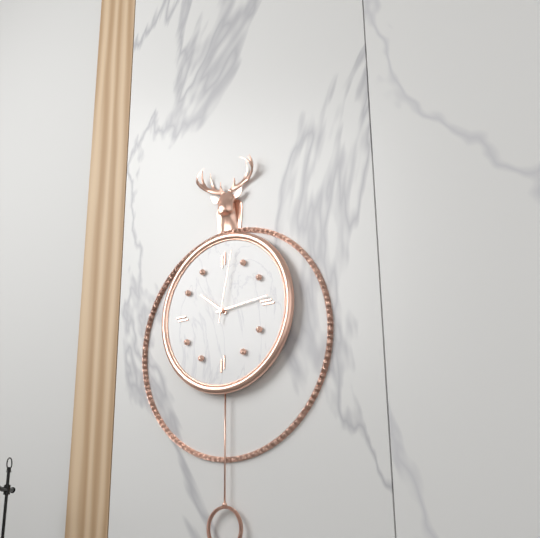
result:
{"hour": 10, "minute": 14, "second": 2}
